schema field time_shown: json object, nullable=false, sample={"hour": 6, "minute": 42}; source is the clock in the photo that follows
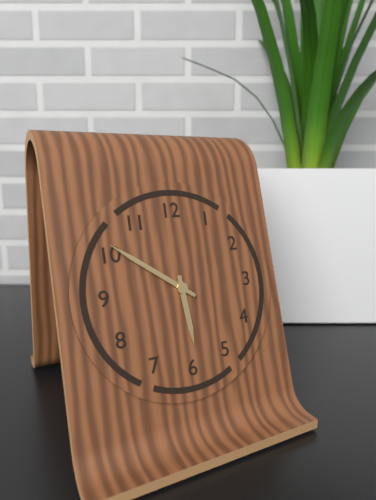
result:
{"hour": 5, "minute": 51}
